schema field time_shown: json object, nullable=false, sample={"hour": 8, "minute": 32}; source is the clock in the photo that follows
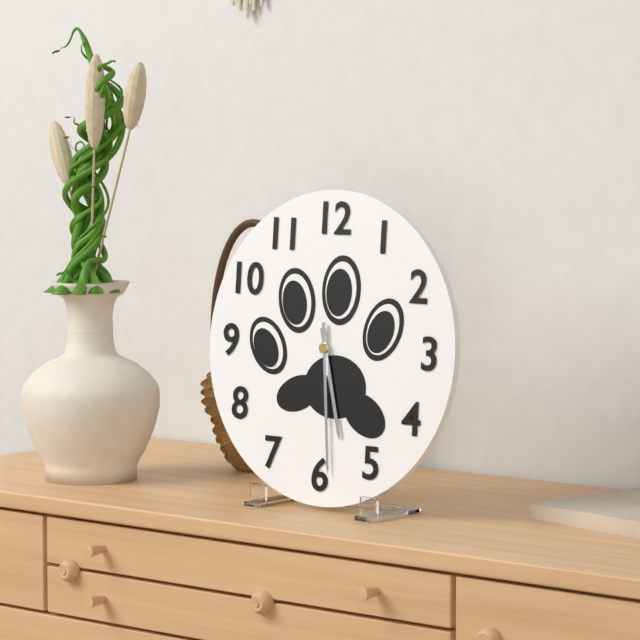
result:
{"hour": 5, "minute": 29}
